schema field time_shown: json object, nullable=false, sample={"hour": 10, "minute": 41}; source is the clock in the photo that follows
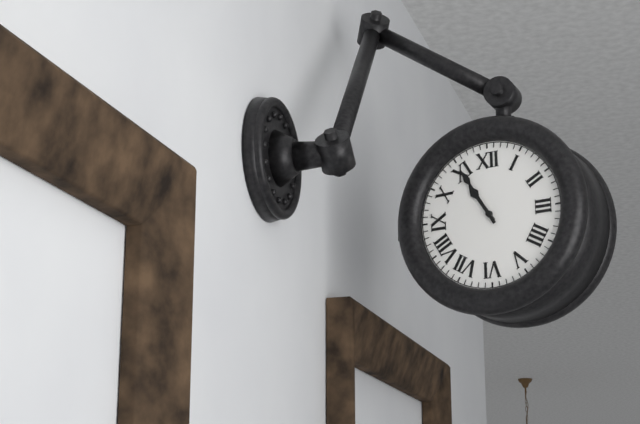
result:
{"hour": 10, "minute": 55}
